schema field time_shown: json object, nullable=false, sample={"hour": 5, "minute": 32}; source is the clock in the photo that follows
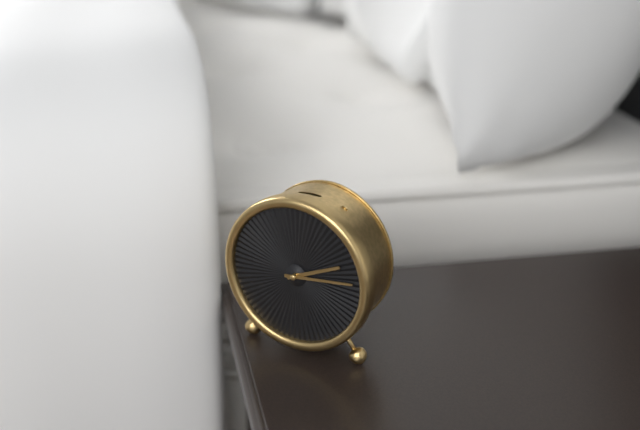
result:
{"hour": 2, "minute": 14}
